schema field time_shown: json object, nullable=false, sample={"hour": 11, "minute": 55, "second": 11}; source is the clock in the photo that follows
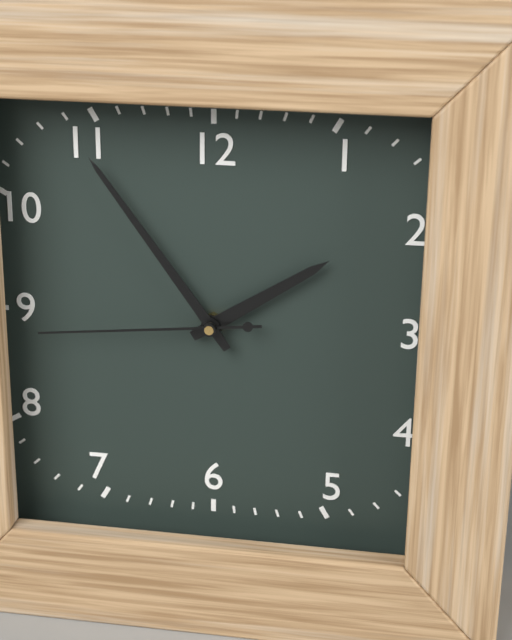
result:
{"hour": 1, "minute": 54, "second": 44}
